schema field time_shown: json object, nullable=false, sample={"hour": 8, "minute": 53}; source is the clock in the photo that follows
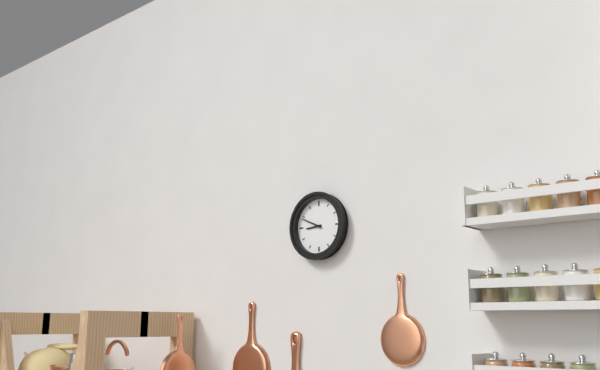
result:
{"hour": 8, "minute": 49}
